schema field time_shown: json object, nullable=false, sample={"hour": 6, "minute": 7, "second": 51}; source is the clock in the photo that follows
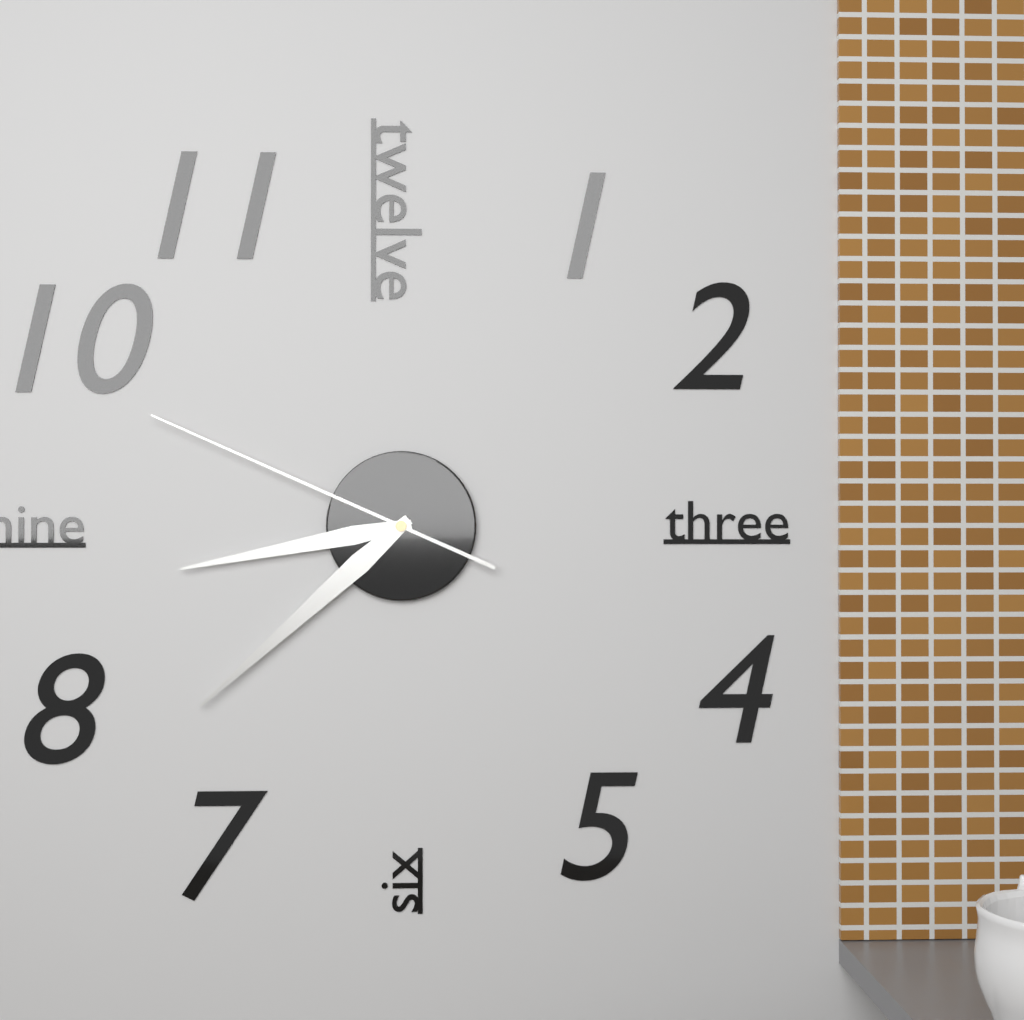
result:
{"hour": 8, "minute": 38, "second": 49}
